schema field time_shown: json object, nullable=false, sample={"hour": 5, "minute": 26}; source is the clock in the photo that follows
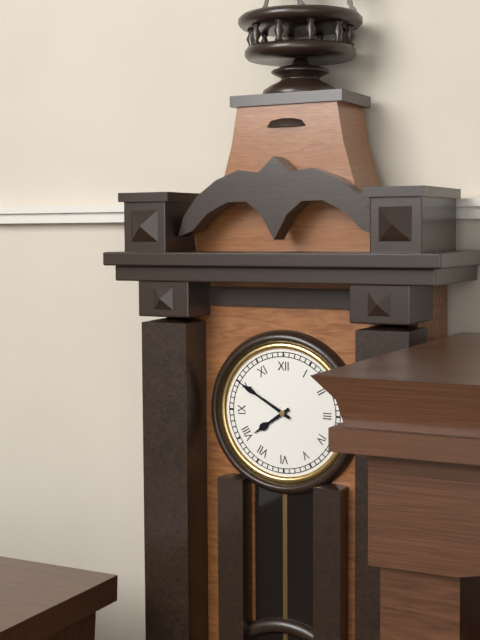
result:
{"hour": 7, "minute": 50}
